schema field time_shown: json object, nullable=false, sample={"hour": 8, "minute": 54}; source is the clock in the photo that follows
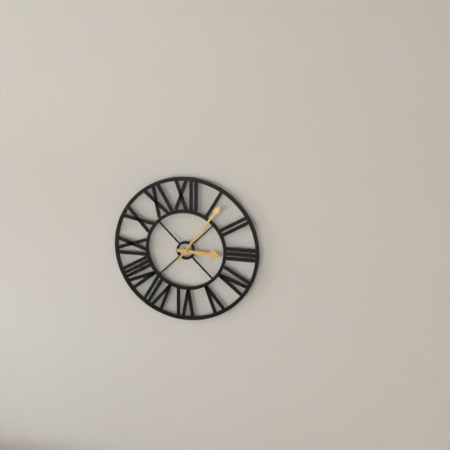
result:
{"hour": 3, "minute": 6}
